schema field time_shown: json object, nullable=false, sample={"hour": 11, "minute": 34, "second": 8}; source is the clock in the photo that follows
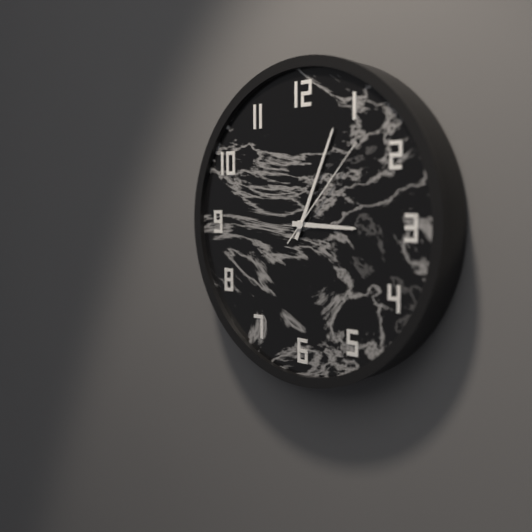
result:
{"hour": 3, "minute": 4, "second": 7}
